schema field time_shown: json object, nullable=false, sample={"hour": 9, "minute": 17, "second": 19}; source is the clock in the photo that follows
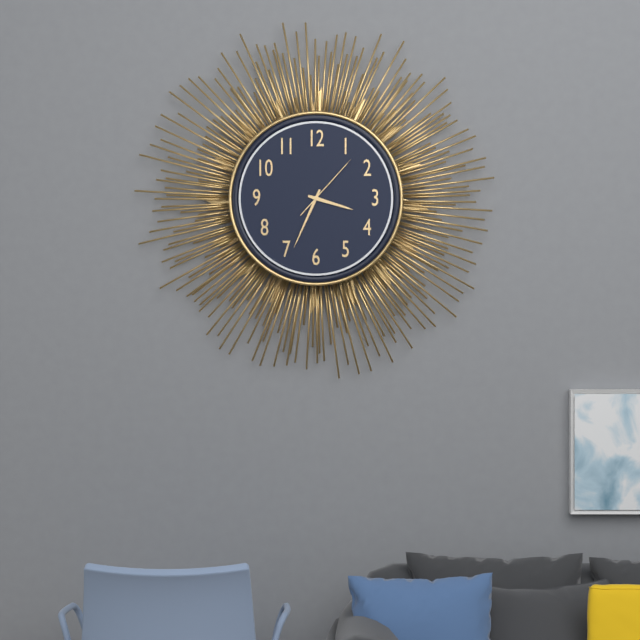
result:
{"hour": 3, "minute": 34, "second": 7}
